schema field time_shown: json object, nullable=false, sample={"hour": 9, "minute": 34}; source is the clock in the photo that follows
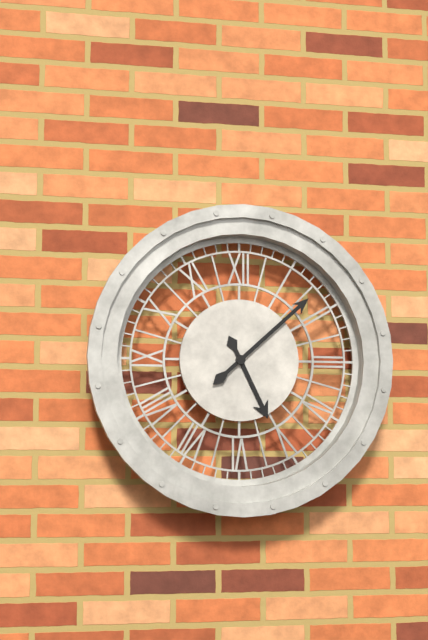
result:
{"hour": 5, "minute": 8}
